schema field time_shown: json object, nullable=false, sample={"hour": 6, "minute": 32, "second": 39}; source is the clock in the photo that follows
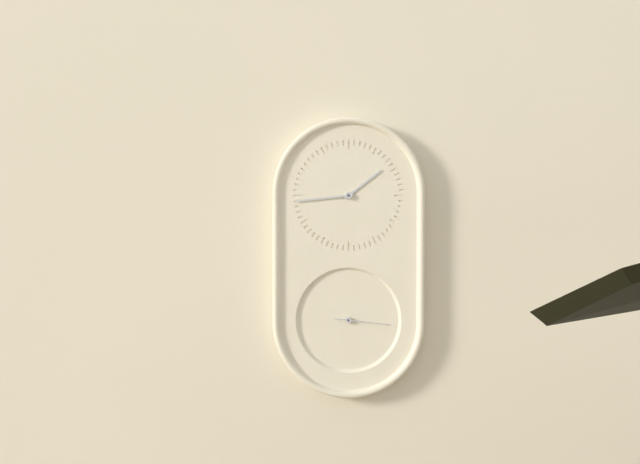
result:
{"hour": 1, "minute": 44, "second": 16}
